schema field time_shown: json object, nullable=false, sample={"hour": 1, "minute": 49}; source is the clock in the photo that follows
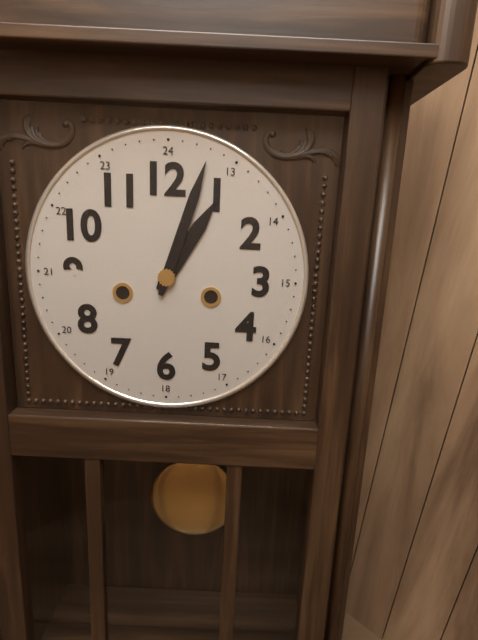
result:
{"hour": 1, "minute": 3}
